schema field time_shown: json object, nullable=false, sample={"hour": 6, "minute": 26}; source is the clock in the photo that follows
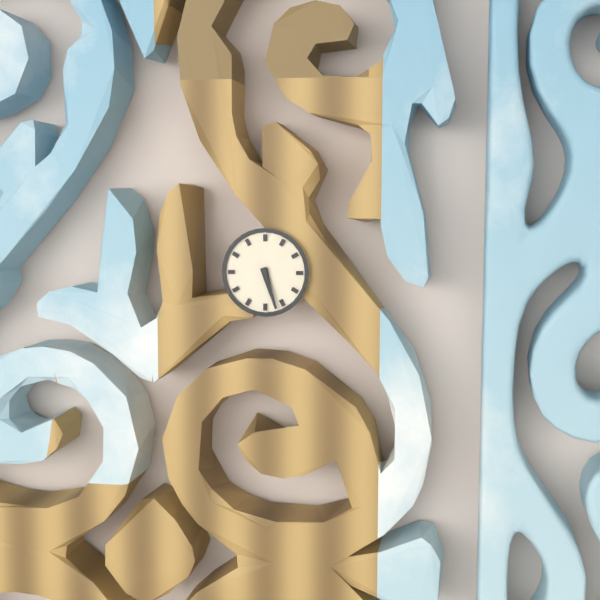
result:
{"hour": 5, "minute": 27}
